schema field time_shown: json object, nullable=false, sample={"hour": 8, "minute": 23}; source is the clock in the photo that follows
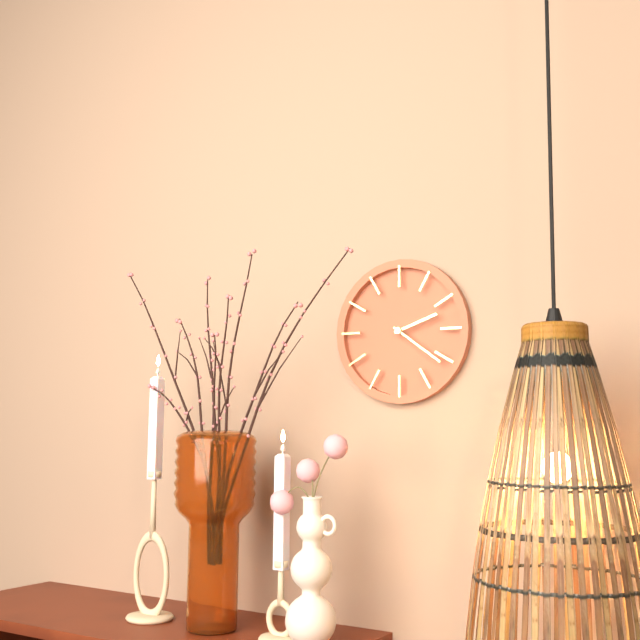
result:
{"hour": 2, "minute": 21}
